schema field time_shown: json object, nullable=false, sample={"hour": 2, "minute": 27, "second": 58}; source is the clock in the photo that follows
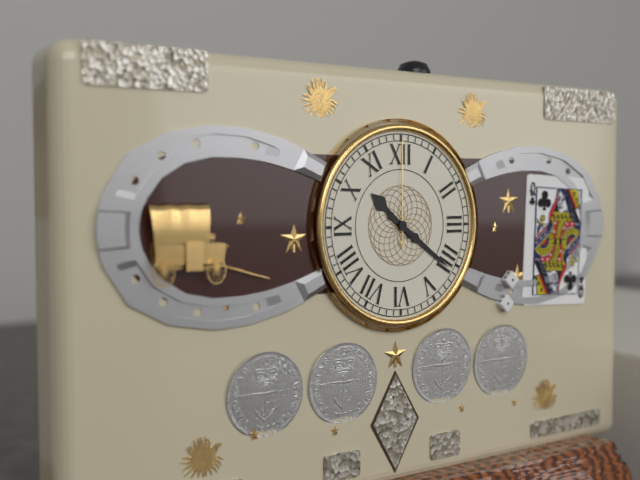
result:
{"hour": 10, "minute": 21, "second": 0}
